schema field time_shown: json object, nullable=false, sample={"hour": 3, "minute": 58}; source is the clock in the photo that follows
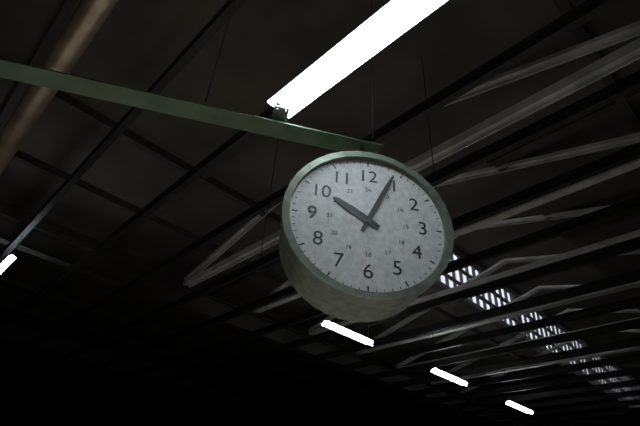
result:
{"hour": 10, "minute": 4}
